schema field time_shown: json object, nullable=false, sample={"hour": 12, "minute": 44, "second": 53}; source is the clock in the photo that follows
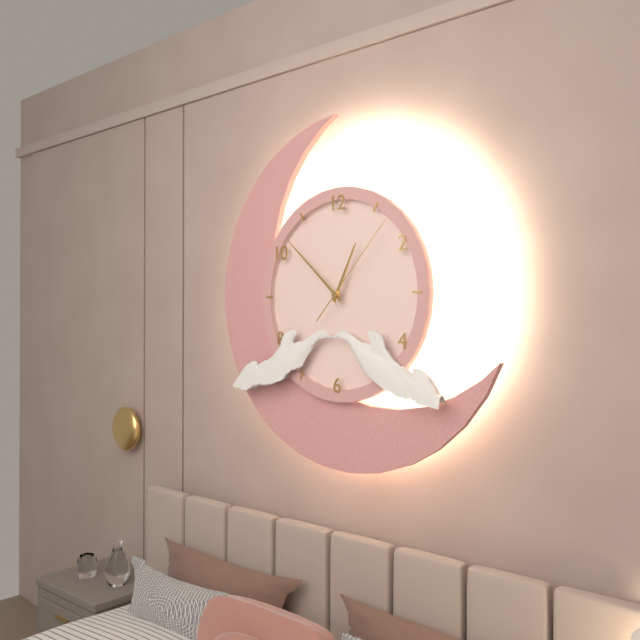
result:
{"hour": 12, "minute": 52, "second": 7}
